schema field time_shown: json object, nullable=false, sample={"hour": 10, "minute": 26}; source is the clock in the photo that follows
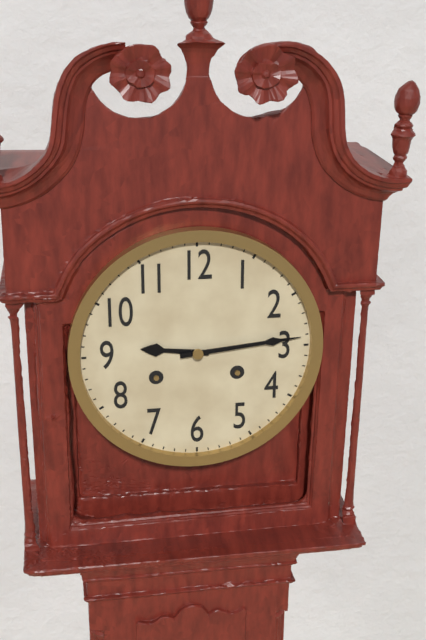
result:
{"hour": 9, "minute": 14}
